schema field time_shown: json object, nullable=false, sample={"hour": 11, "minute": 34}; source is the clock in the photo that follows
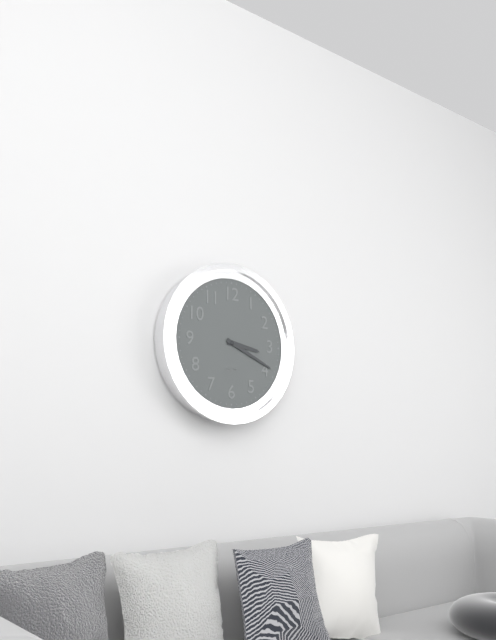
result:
{"hour": 3, "minute": 19}
